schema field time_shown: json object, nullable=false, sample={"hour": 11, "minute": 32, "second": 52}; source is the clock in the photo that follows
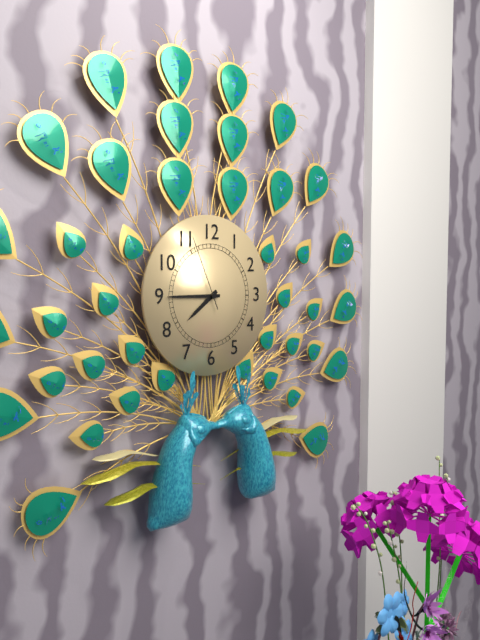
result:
{"hour": 7, "minute": 45, "second": 56}
